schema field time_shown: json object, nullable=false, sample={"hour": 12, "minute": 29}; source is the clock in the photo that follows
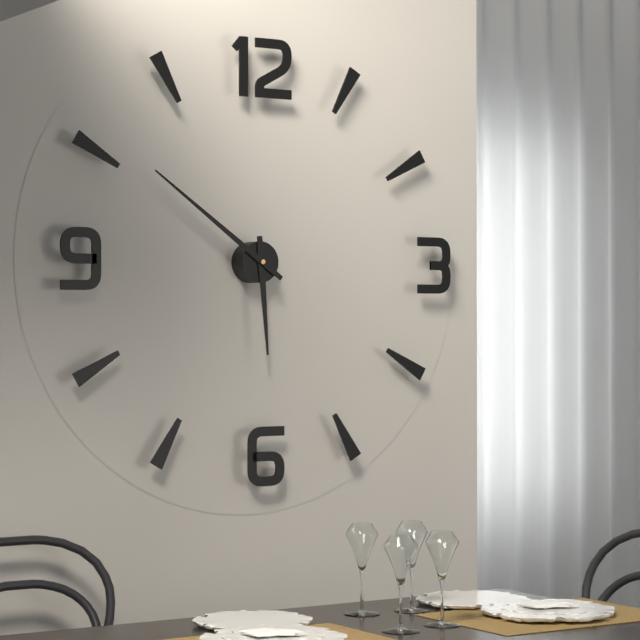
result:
{"hour": 5, "minute": 51}
